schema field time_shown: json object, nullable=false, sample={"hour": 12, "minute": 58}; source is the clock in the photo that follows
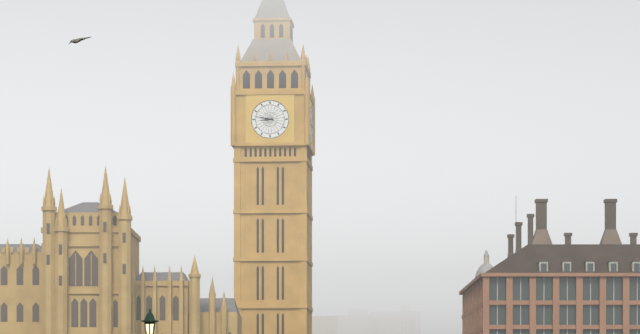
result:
{"hour": 8, "minute": 47}
